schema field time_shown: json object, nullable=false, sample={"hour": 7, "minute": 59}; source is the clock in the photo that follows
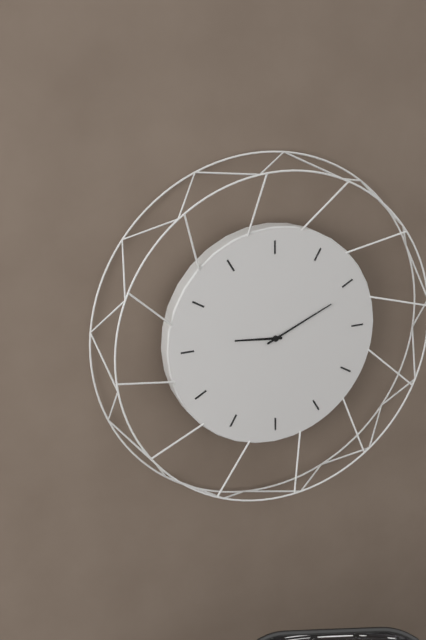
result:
{"hour": 9, "minute": 11}
